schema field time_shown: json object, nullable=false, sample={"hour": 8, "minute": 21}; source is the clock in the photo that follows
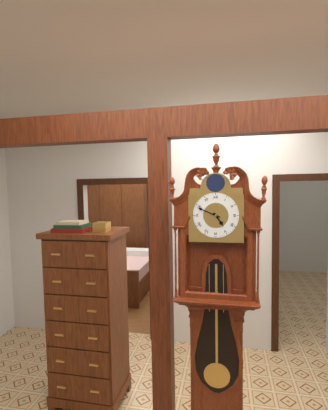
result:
{"hour": 4, "minute": 49}
